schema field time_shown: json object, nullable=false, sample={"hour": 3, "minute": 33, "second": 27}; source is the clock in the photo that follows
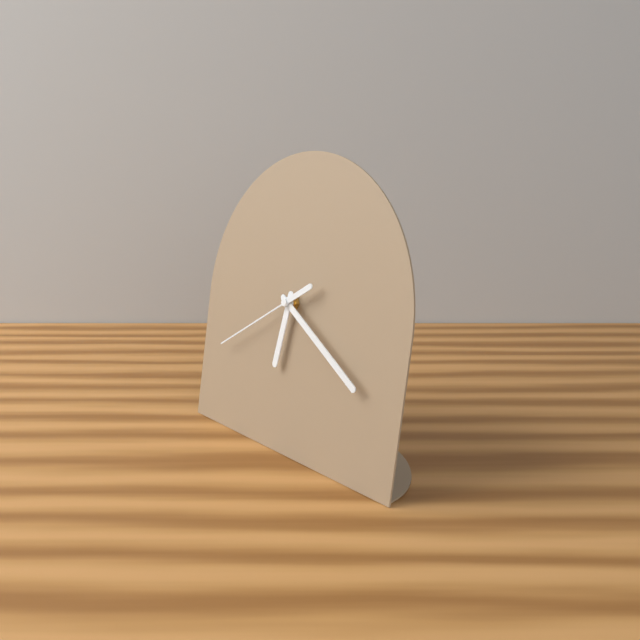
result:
{"hour": 6, "minute": 20, "second": 40}
